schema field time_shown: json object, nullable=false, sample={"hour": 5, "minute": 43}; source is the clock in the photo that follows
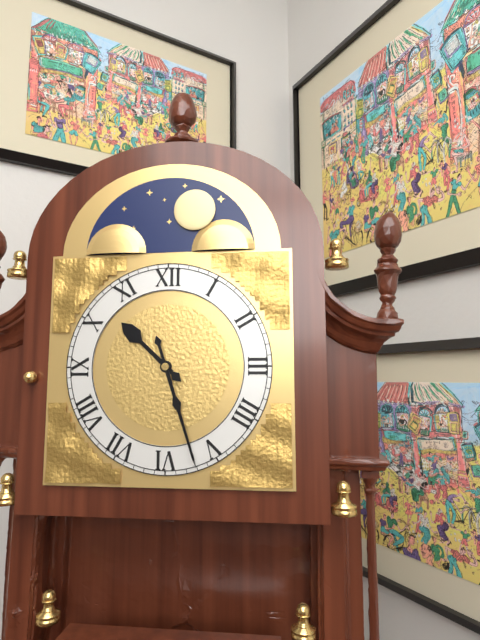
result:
{"hour": 10, "minute": 27}
